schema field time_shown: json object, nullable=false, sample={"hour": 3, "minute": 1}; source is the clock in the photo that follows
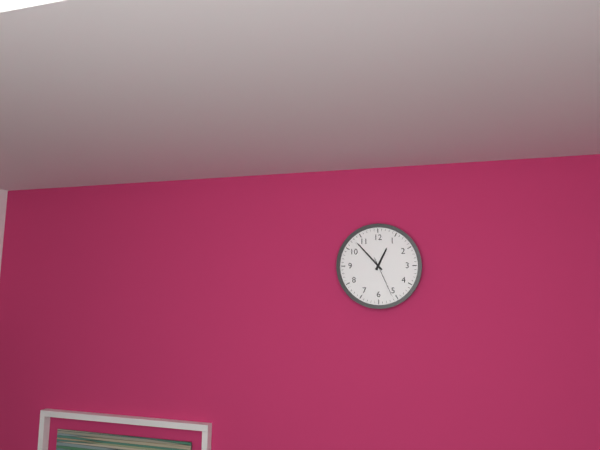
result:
{"hour": 12, "minute": 53}
